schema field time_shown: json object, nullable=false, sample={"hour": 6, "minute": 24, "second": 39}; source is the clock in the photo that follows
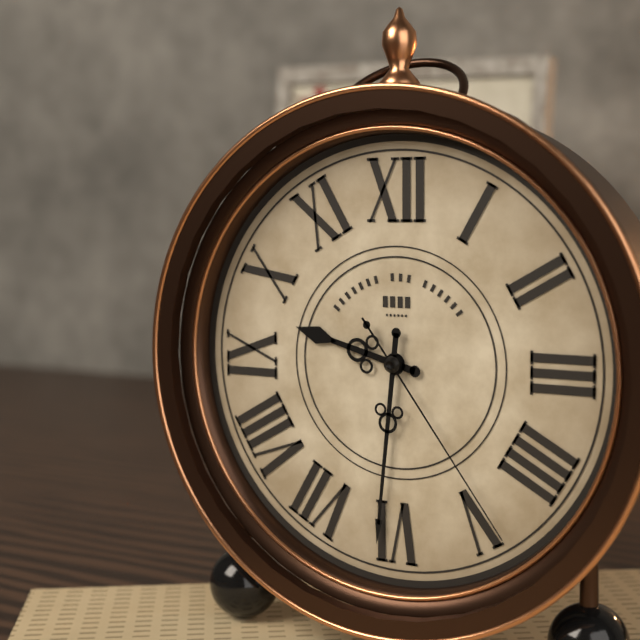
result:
{"hour": 9, "minute": 31, "second": 24}
